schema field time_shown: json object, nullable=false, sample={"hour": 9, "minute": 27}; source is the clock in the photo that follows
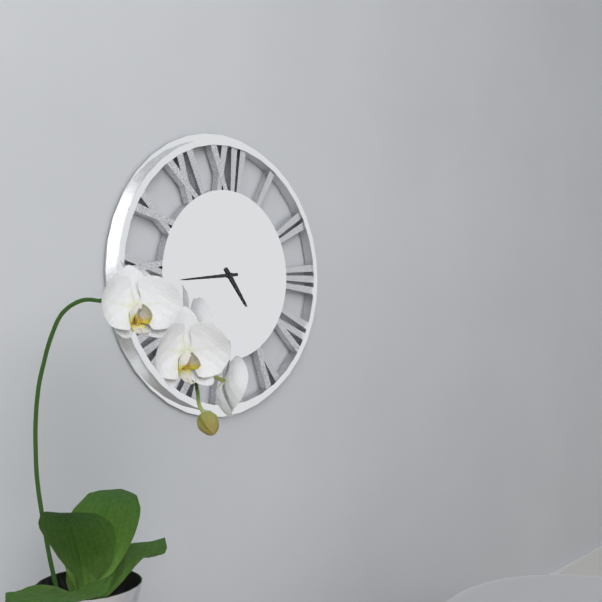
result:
{"hour": 4, "minute": 44}
